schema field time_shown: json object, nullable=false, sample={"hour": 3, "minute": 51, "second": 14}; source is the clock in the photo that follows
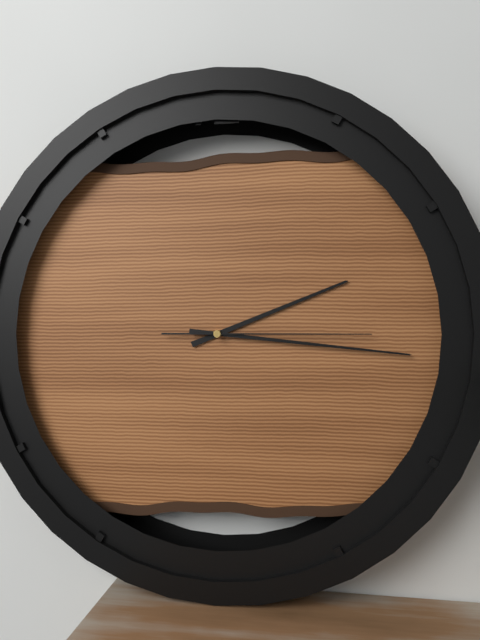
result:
{"hour": 2, "minute": 16, "second": 15}
